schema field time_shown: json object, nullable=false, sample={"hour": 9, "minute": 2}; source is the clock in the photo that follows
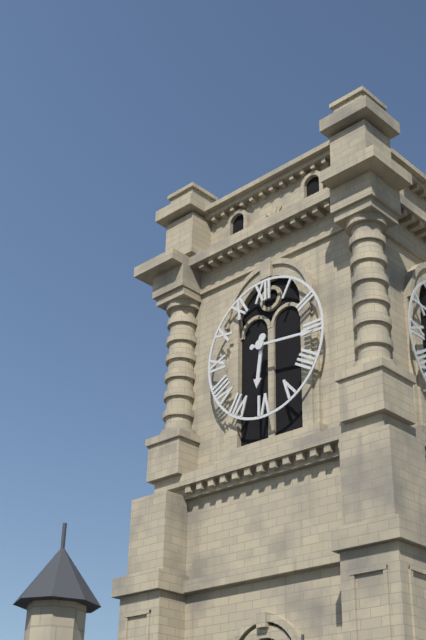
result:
{"hour": 6, "minute": 16}
